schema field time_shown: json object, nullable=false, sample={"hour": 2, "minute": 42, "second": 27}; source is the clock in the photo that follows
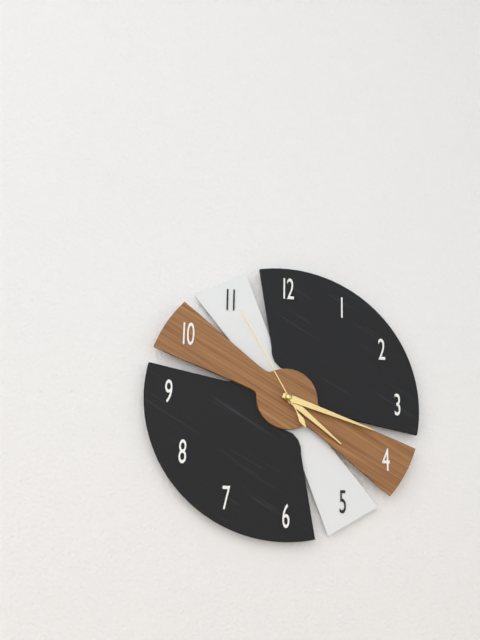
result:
{"hour": 4, "minute": 18, "second": 55}
